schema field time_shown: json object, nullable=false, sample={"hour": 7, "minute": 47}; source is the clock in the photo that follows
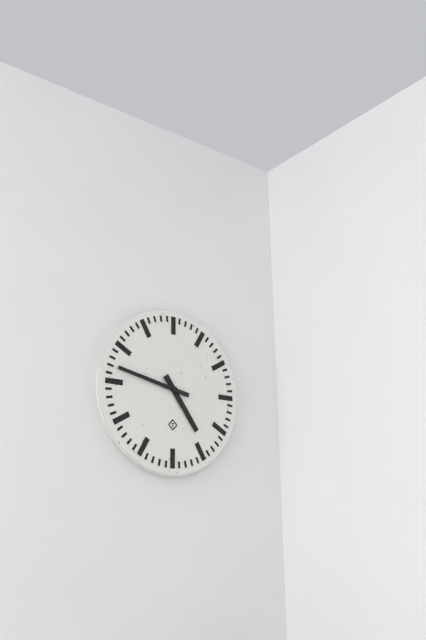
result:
{"hour": 4, "minute": 47}
